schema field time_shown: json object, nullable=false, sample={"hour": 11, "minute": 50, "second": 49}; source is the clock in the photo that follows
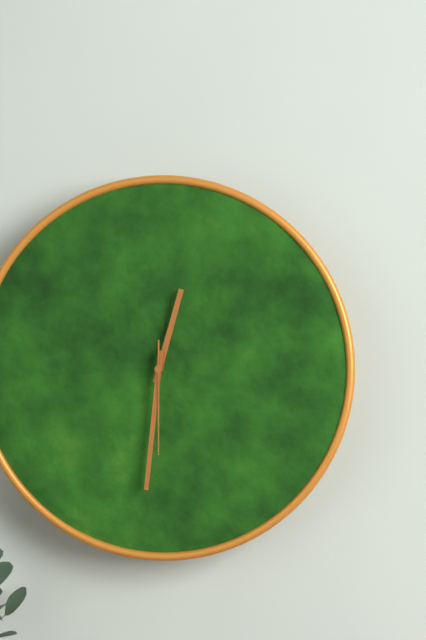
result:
{"hour": 12, "minute": 31, "second": 30}
